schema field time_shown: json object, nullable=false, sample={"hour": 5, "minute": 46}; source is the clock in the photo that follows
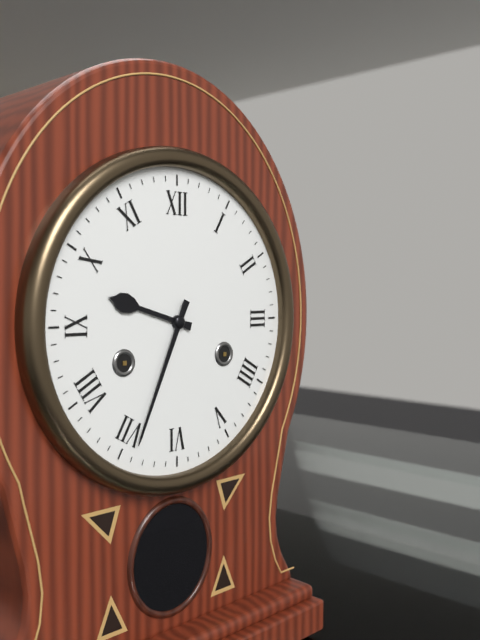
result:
{"hour": 9, "minute": 34}
